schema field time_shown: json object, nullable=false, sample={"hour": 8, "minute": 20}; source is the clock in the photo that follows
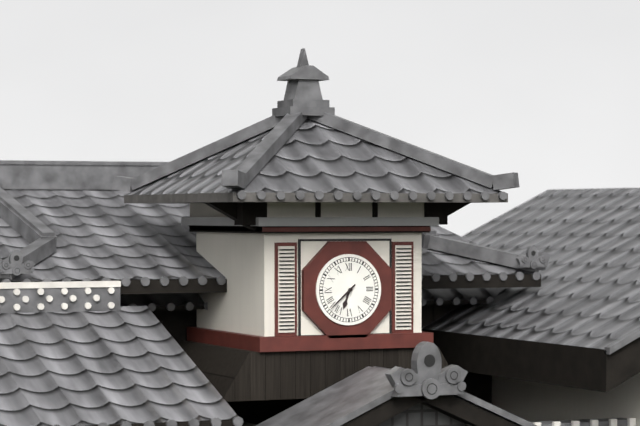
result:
{"hour": 6, "minute": 38}
